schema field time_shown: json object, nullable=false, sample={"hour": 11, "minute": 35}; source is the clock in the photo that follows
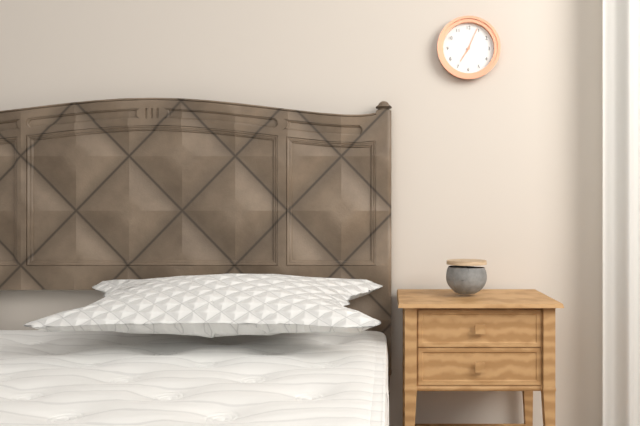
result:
{"hour": 7, "minute": 4}
